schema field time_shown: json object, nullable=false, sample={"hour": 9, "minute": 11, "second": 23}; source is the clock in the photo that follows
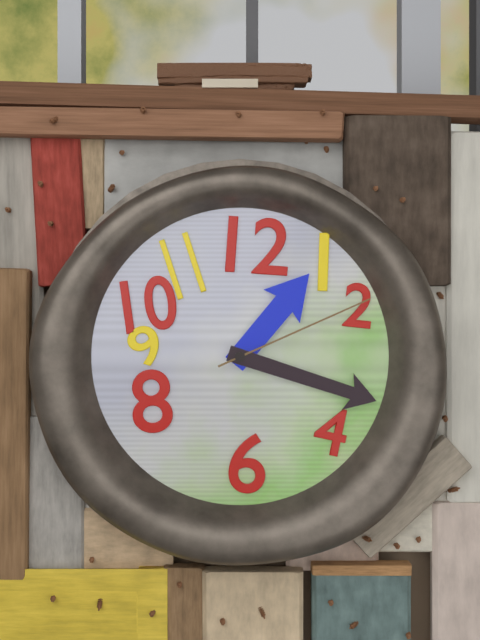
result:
{"hour": 1, "minute": 18, "second": 11}
